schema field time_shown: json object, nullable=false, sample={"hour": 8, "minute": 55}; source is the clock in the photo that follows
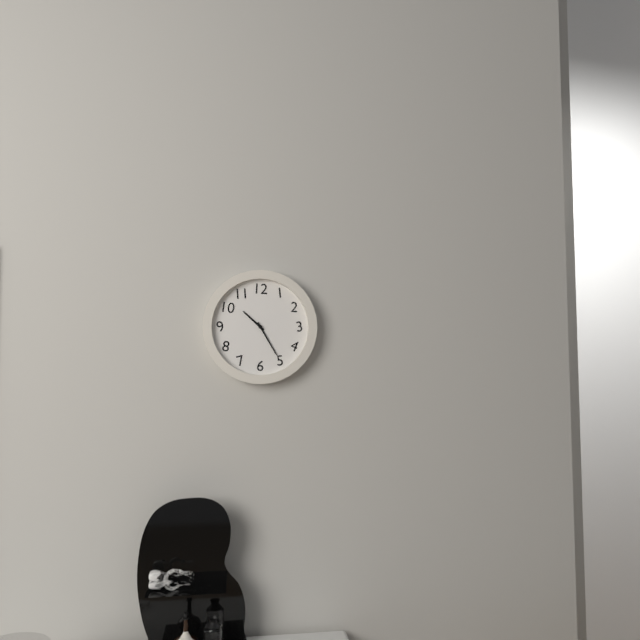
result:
{"hour": 10, "minute": 25}
